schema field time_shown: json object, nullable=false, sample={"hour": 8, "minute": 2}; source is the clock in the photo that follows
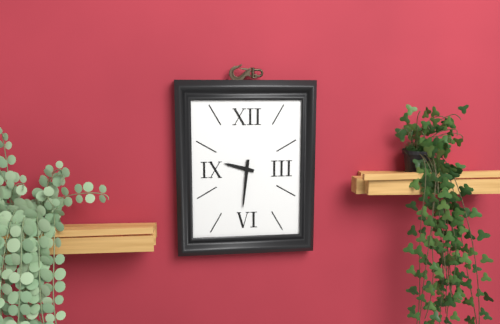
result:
{"hour": 9, "minute": 31}
